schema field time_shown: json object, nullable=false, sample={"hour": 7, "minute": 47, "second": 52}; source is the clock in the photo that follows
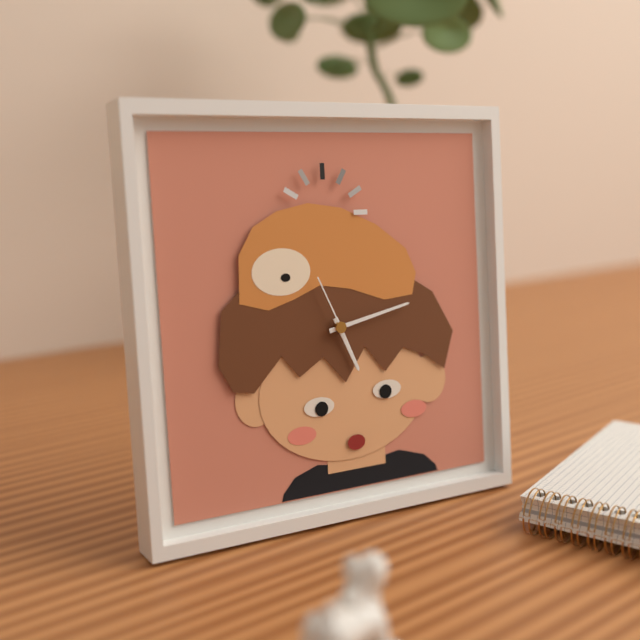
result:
{"hour": 5, "minute": 13, "second": 56}
